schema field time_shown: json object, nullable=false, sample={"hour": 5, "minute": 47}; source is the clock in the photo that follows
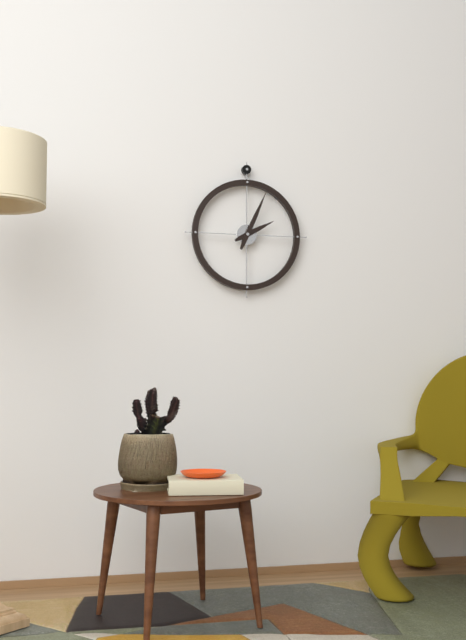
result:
{"hour": 2, "minute": 4}
